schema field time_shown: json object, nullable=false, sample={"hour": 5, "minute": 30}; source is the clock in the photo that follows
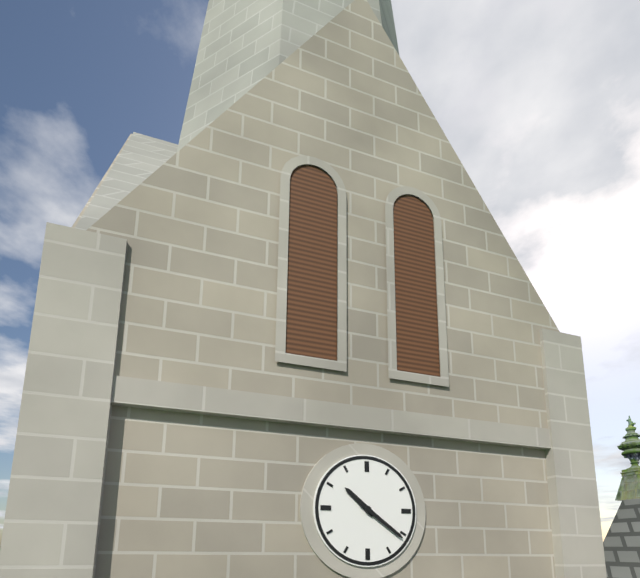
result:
{"hour": 10, "minute": 21}
